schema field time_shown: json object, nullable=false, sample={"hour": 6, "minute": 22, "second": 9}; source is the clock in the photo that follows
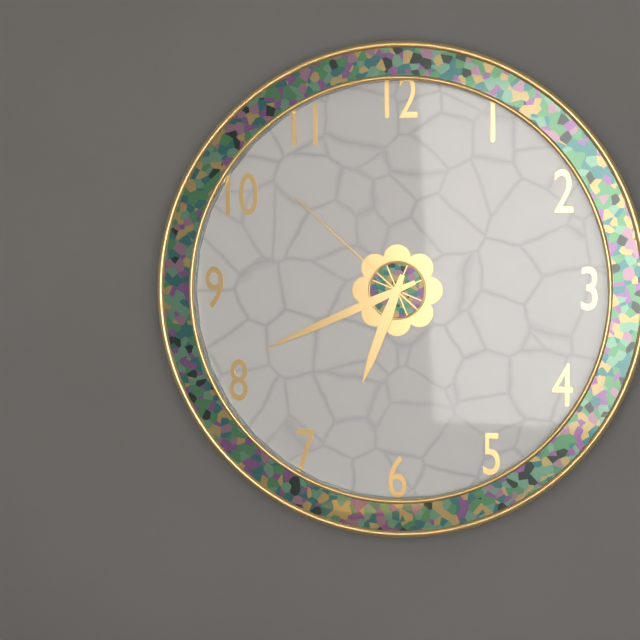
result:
{"hour": 6, "minute": 41, "second": 52}
